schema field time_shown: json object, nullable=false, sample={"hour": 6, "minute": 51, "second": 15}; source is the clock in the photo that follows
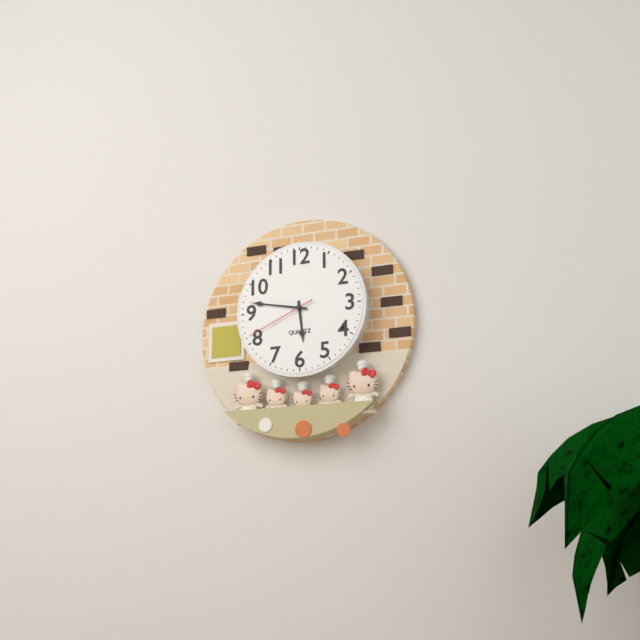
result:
{"hour": 5, "minute": 47, "second": 41}
